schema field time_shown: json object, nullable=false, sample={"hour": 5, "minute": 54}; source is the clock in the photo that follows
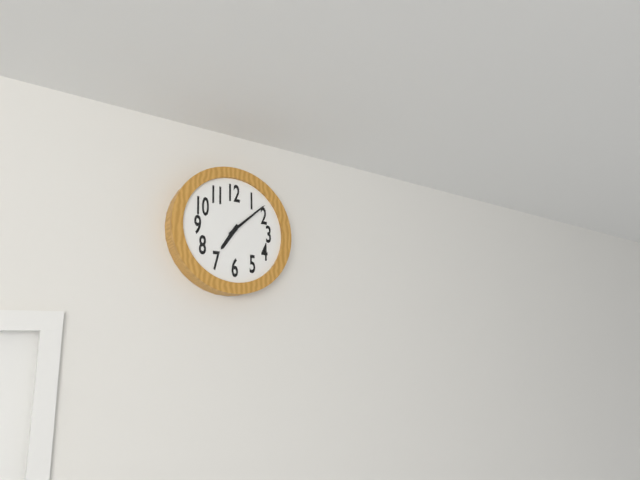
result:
{"hour": 7, "minute": 8}
